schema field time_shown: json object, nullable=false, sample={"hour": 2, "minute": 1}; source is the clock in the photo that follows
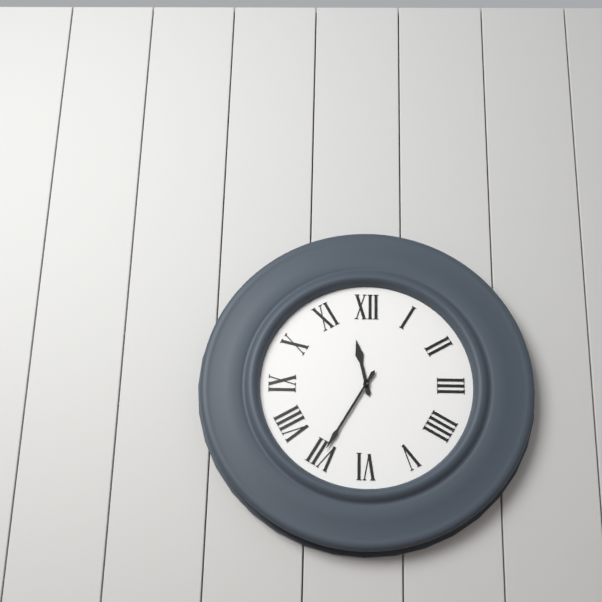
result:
{"hour": 11, "minute": 35}
